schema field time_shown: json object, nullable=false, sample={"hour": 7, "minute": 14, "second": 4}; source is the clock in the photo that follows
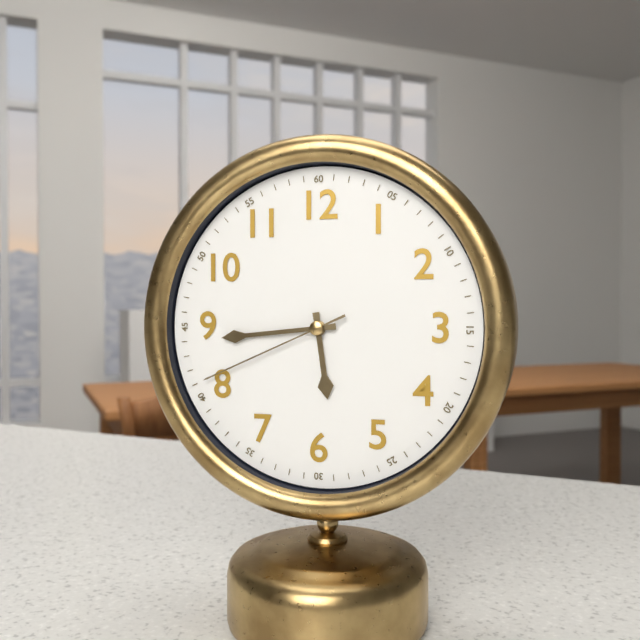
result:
{"hour": 5, "minute": 44, "second": 41}
